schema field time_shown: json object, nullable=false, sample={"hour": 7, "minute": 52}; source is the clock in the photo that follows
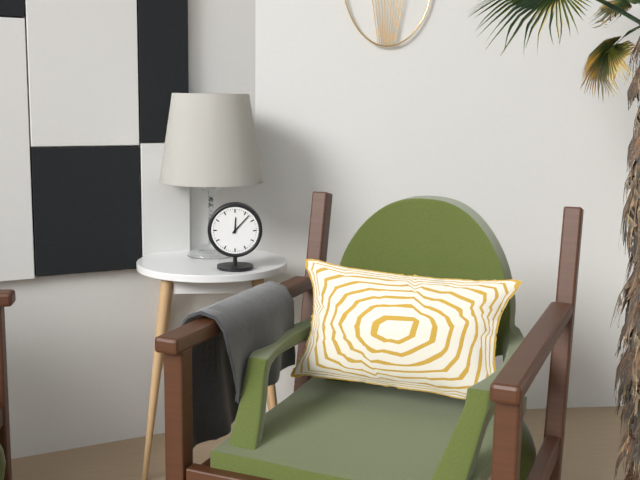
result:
{"hour": 12, "minute": 7}
